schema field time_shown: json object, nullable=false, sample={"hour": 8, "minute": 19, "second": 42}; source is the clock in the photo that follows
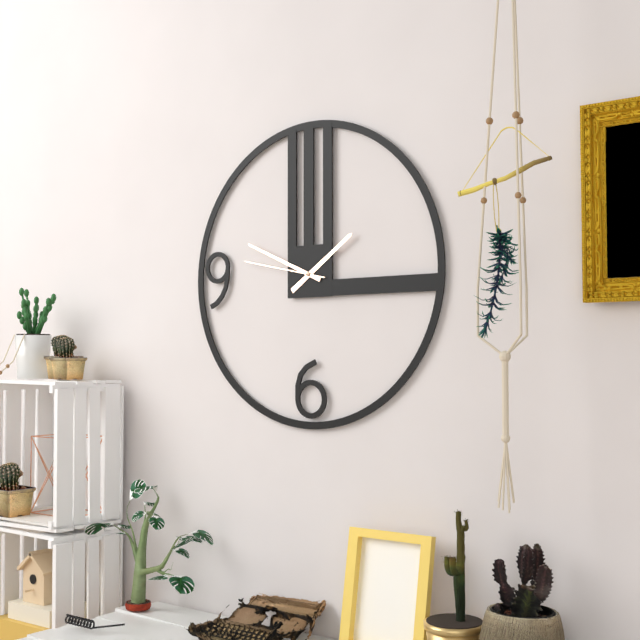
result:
{"hour": 1, "minute": 49, "second": 47}
